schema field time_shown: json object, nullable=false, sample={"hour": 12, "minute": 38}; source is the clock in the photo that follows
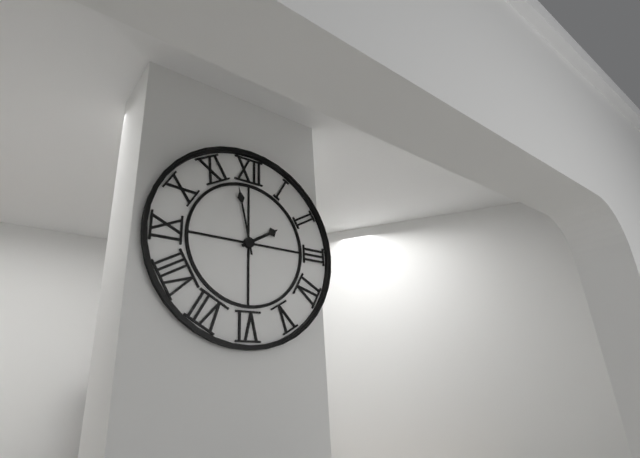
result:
{"hour": 1, "minute": 58}
